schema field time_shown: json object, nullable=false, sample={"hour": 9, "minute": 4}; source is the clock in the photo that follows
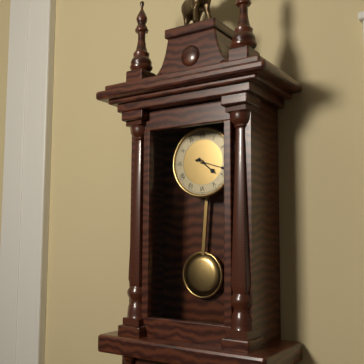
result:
{"hour": 4, "minute": 18}
